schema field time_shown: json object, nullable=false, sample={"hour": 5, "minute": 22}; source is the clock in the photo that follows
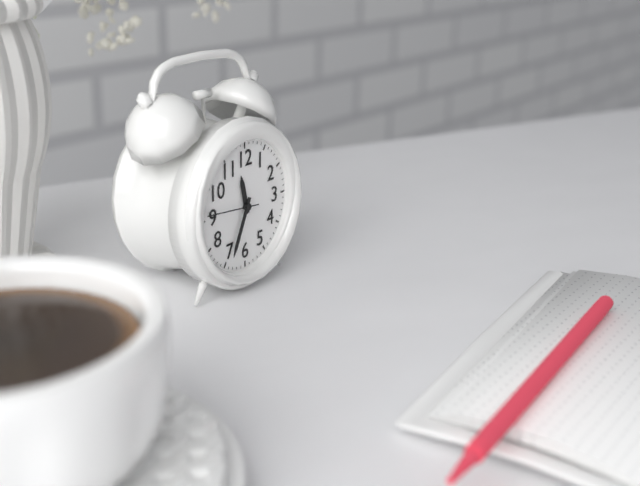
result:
{"hour": 11, "minute": 34}
